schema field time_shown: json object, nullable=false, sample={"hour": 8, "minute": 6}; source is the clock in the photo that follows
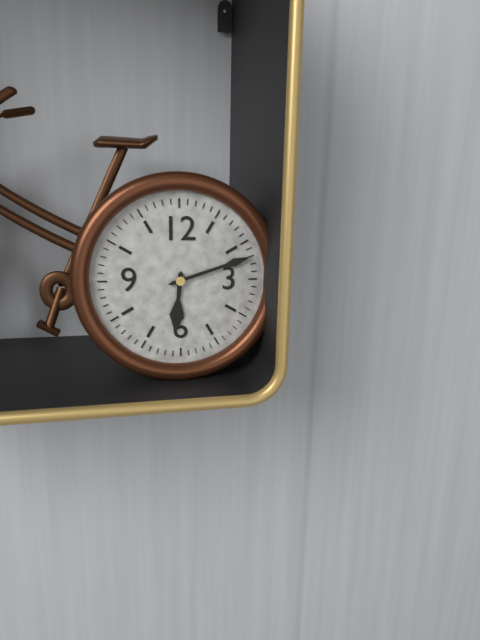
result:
{"hour": 6, "minute": 12}
